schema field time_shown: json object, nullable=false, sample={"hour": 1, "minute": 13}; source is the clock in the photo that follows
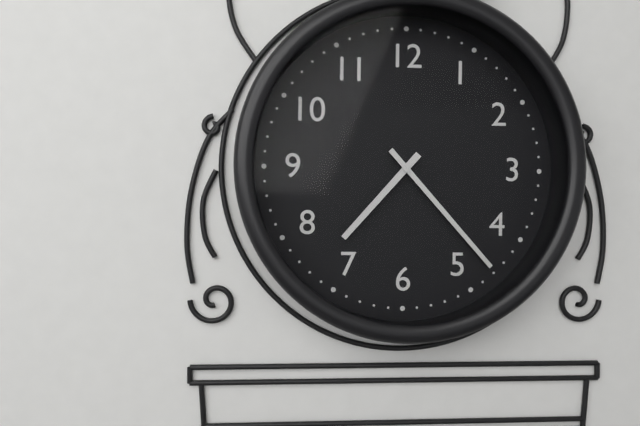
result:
{"hour": 7, "minute": 23}
